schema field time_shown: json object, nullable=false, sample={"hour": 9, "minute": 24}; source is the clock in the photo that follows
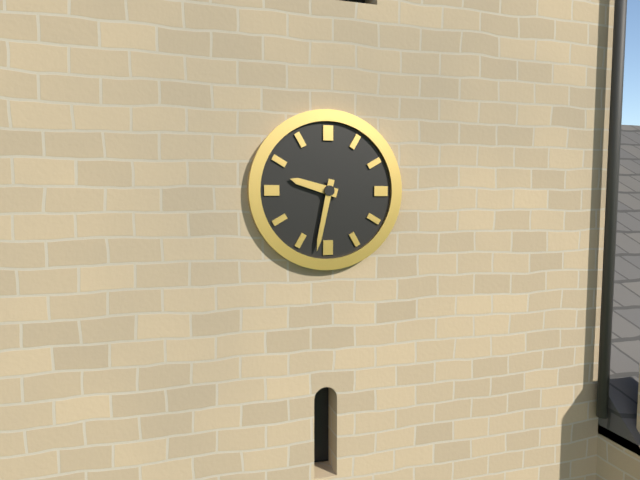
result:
{"hour": 9, "minute": 32}
